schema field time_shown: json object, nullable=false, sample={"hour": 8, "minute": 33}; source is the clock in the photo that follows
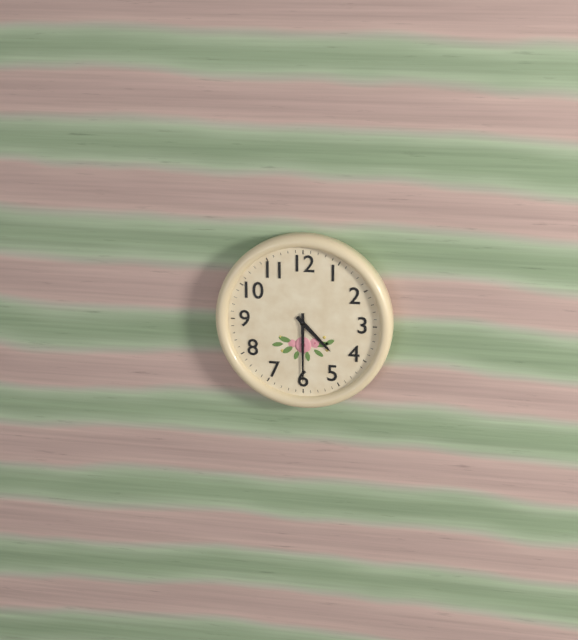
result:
{"hour": 4, "minute": 30}
